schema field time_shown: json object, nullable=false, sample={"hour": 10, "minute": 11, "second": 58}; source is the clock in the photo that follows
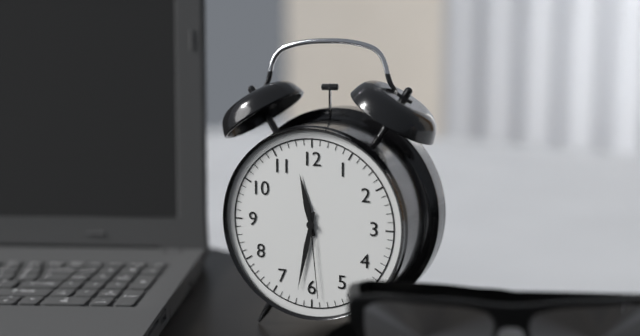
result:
{"hour": 11, "minute": 32, "second": 29}
